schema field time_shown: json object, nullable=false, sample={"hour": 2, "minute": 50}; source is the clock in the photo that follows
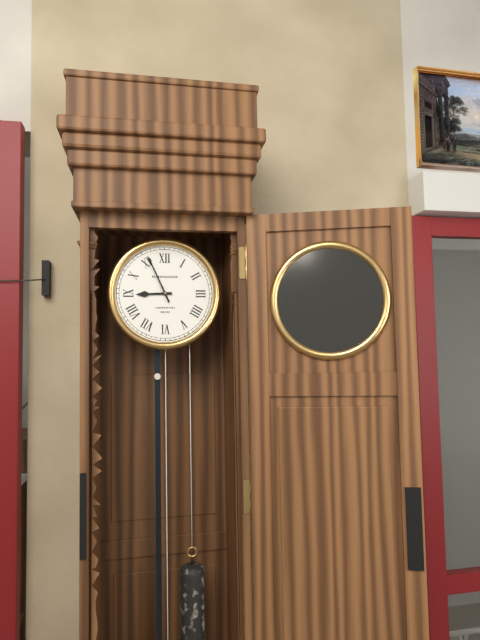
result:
{"hour": 8, "minute": 56}
